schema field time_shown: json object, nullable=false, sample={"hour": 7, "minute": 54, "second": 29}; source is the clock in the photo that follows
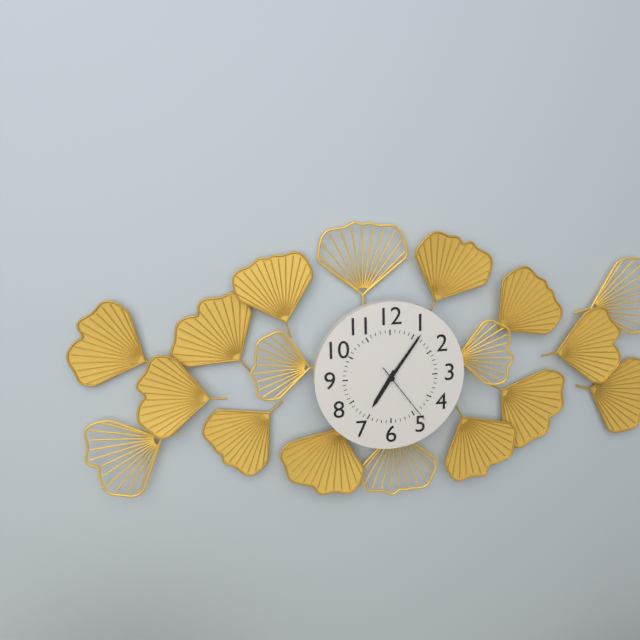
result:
{"hour": 7, "minute": 6, "second": 24}
